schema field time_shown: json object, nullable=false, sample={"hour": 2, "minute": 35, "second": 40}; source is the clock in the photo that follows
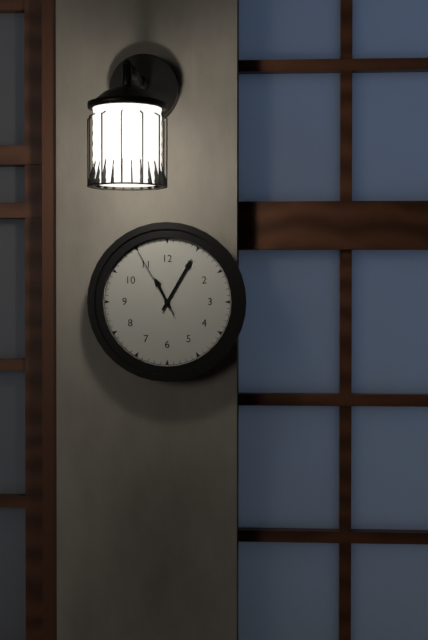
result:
{"hour": 11, "minute": 5, "second": 55}
